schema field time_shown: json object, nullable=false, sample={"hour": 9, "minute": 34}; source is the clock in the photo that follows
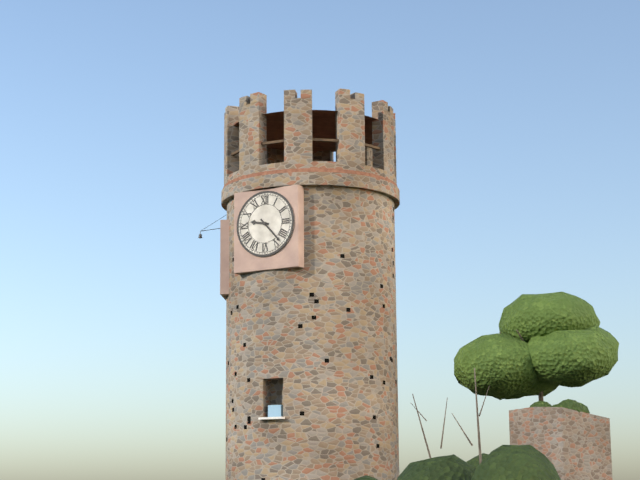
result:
{"hour": 9, "minute": 23}
